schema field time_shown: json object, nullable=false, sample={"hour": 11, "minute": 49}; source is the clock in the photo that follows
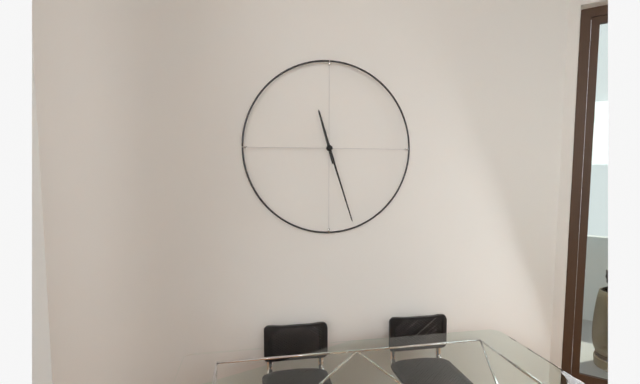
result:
{"hour": 11, "minute": 27}
